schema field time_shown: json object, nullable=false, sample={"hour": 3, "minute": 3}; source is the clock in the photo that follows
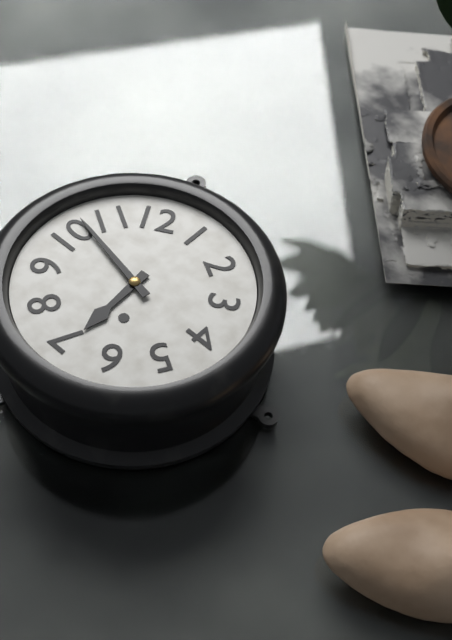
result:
{"hour": 6, "minute": 52}
